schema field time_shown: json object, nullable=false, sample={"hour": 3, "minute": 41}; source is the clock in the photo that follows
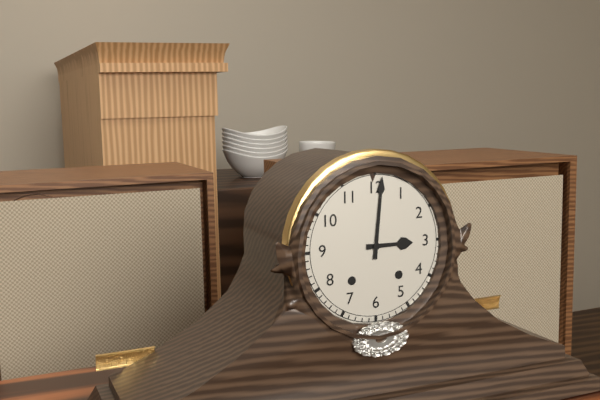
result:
{"hour": 3, "minute": 1}
